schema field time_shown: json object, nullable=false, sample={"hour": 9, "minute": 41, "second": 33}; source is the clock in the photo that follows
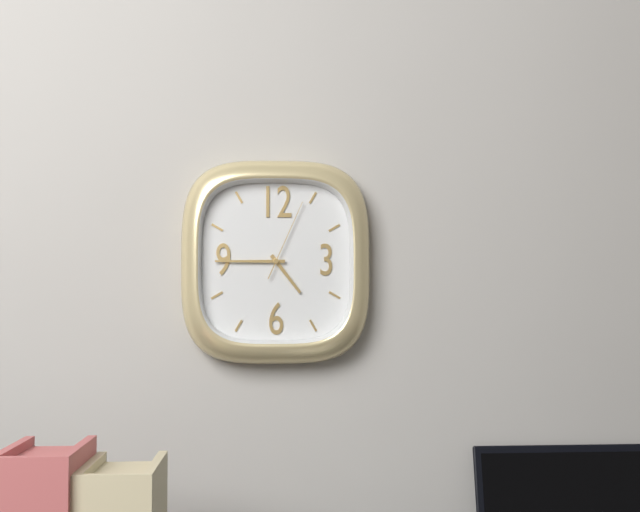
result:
{"hour": 4, "minute": 45, "second": 4}
